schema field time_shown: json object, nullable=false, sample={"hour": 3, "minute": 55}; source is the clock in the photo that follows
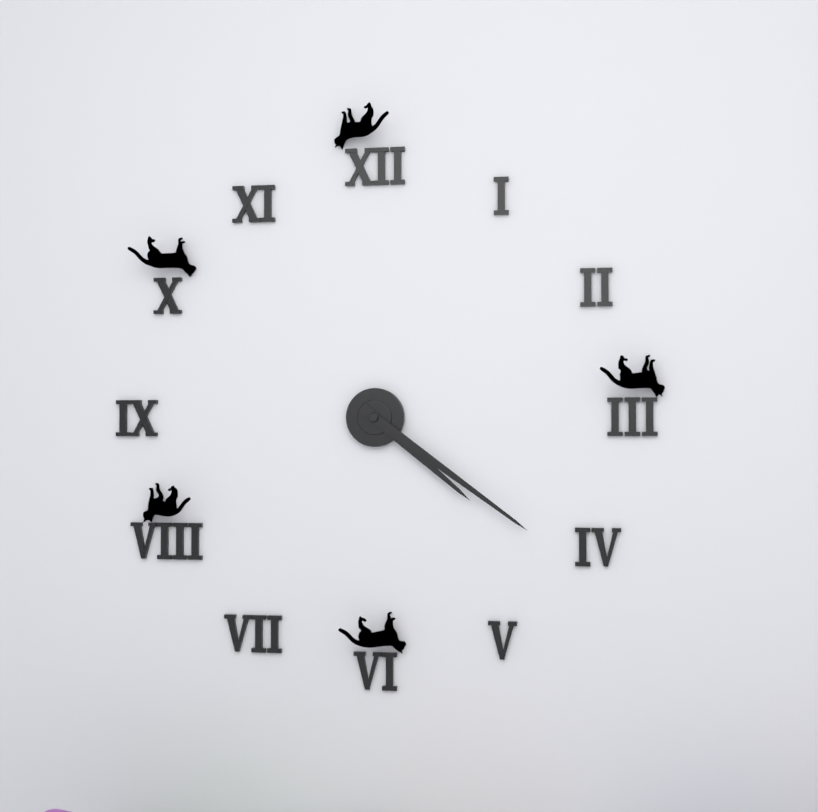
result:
{"hour": 4, "minute": 21}
